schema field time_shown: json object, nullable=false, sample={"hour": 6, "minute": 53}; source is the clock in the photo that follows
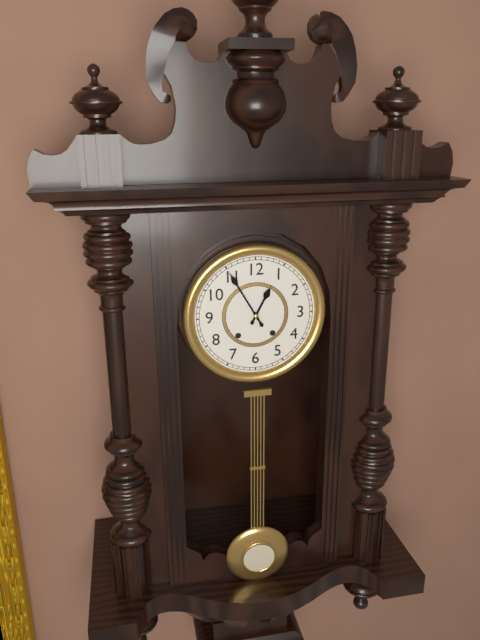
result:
{"hour": 12, "minute": 55}
